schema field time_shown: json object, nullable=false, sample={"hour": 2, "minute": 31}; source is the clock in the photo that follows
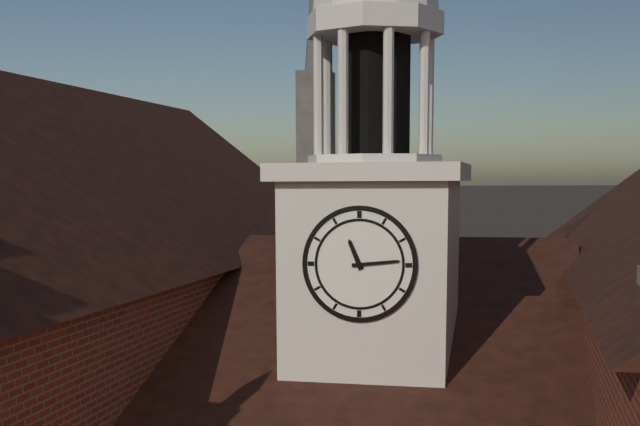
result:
{"hour": 11, "minute": 14}
